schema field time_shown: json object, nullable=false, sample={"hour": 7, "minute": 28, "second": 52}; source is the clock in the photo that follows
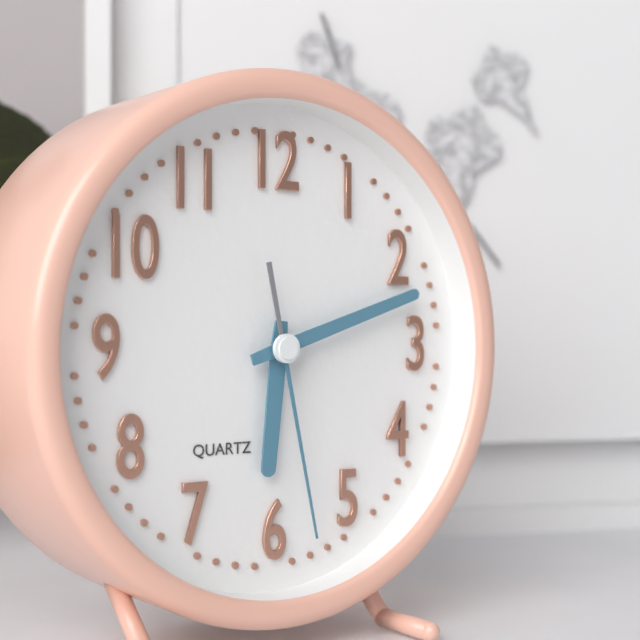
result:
{"hour": 6, "minute": 12, "second": 28}
